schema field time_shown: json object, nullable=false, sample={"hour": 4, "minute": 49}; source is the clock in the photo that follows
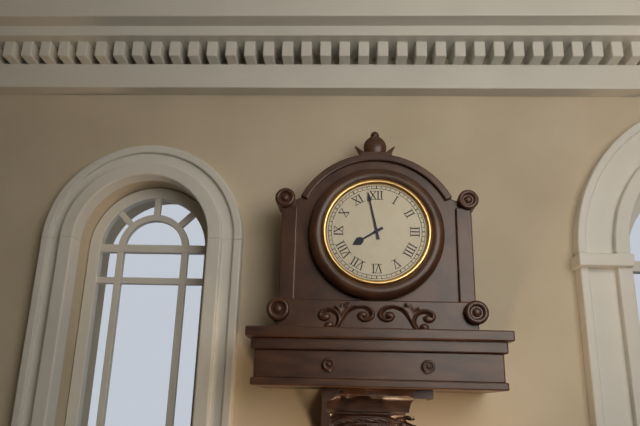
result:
{"hour": 7, "minute": 58}
